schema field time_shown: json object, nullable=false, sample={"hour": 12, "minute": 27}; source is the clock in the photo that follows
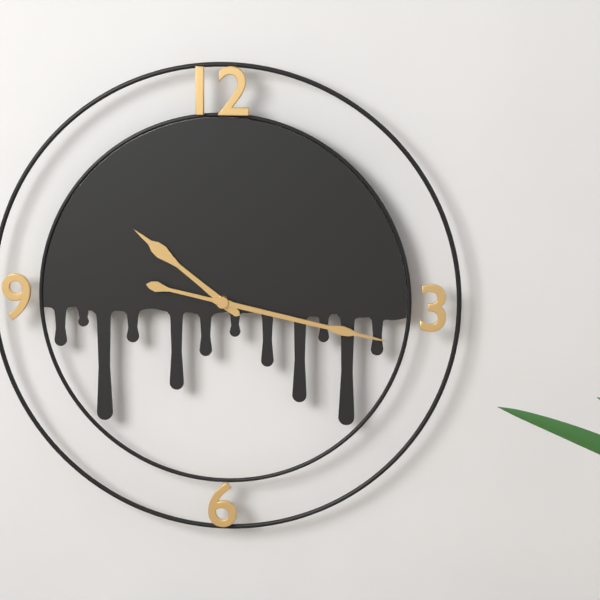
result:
{"hour": 10, "minute": 17}
